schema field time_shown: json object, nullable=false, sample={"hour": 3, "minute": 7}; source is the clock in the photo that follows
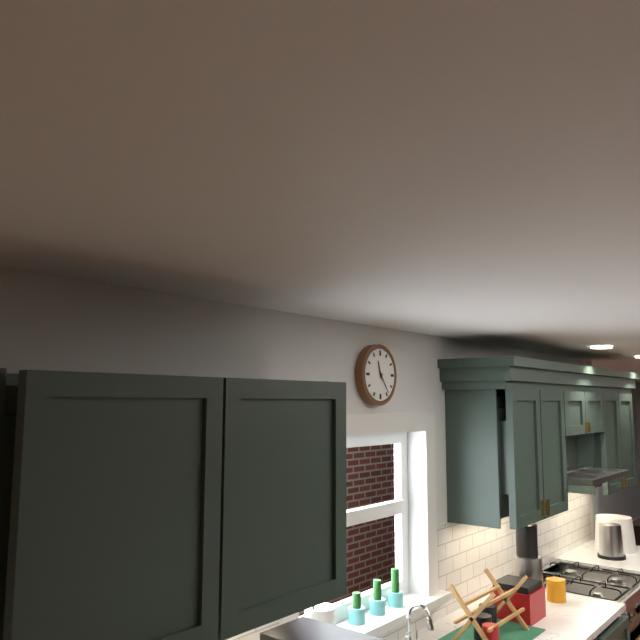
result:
{"hour": 11, "minute": 24}
